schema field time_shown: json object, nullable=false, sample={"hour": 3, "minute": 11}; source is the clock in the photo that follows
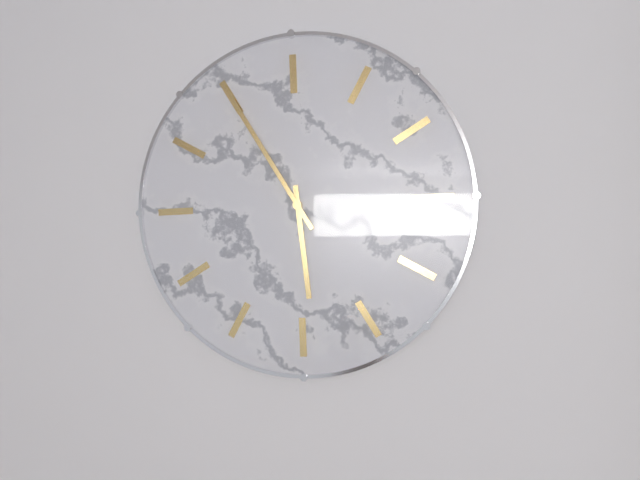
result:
{"hour": 4, "minute": 50}
